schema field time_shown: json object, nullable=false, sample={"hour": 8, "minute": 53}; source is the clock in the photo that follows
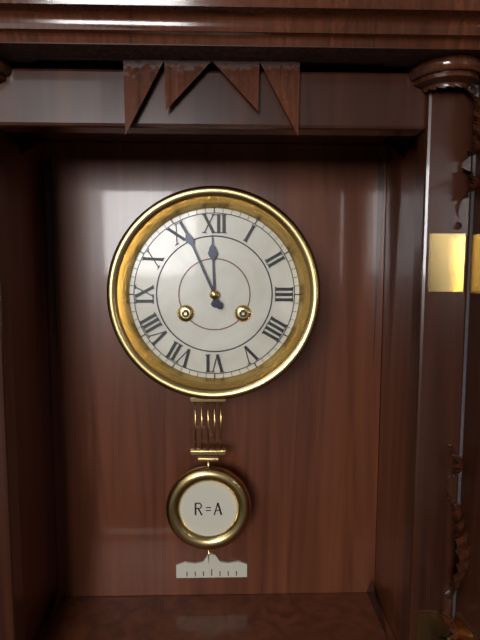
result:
{"hour": 11, "minute": 56}
